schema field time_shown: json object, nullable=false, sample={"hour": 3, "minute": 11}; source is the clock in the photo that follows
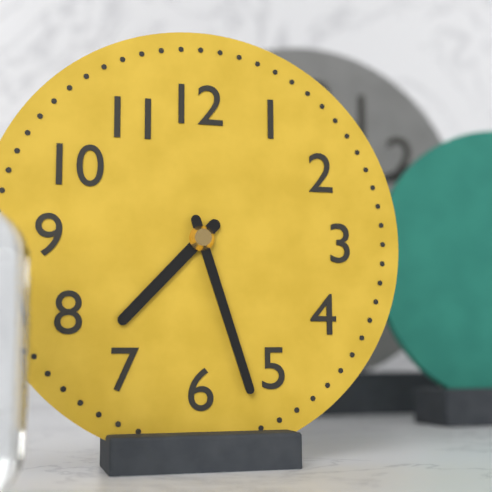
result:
{"hour": 7, "minute": 27}
